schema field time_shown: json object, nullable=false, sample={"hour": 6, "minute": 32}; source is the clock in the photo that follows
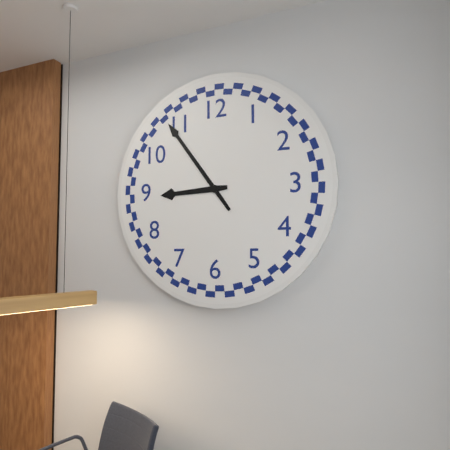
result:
{"hour": 8, "minute": 54}
